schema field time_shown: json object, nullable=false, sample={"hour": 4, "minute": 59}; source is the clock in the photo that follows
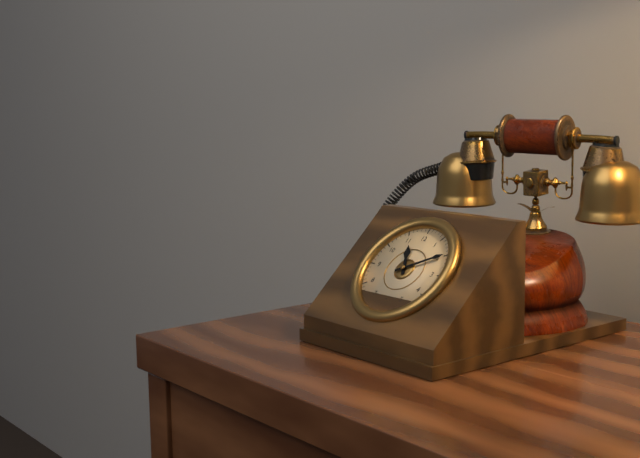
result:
{"hour": 11, "minute": 10}
